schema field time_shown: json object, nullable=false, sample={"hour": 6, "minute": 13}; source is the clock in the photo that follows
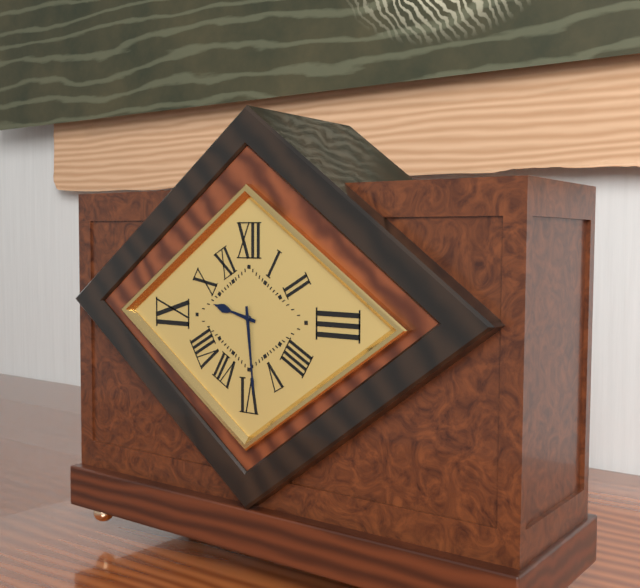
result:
{"hour": 9, "minute": 29}
